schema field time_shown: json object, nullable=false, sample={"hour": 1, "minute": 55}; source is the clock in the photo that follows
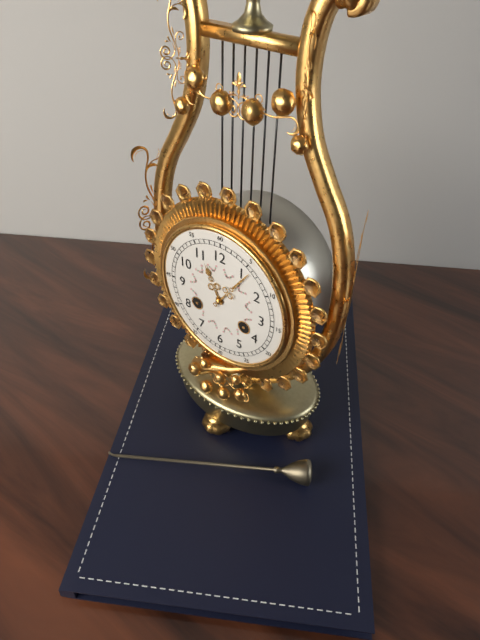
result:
{"hour": 11, "minute": 6}
